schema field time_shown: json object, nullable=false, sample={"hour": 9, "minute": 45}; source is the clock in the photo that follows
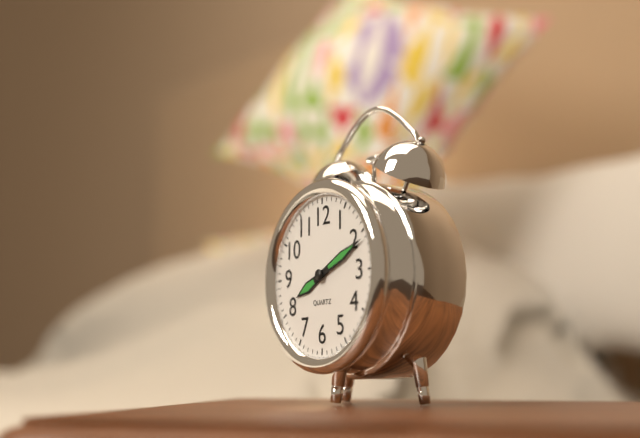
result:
{"hour": 8, "minute": 11}
